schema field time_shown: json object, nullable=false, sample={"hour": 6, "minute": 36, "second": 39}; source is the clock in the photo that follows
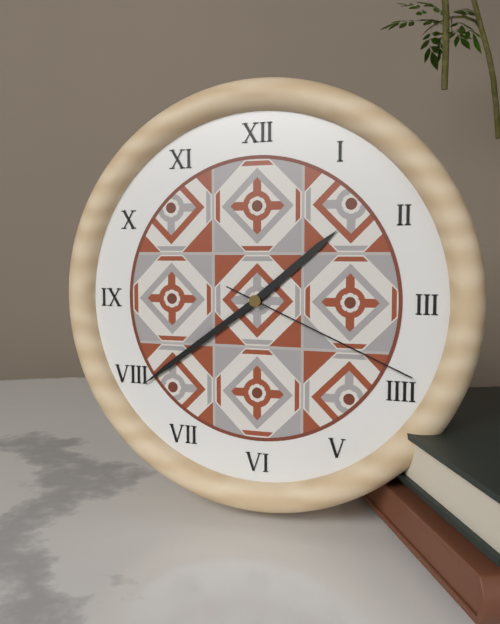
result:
{"hour": 1, "minute": 39, "second": 19}
